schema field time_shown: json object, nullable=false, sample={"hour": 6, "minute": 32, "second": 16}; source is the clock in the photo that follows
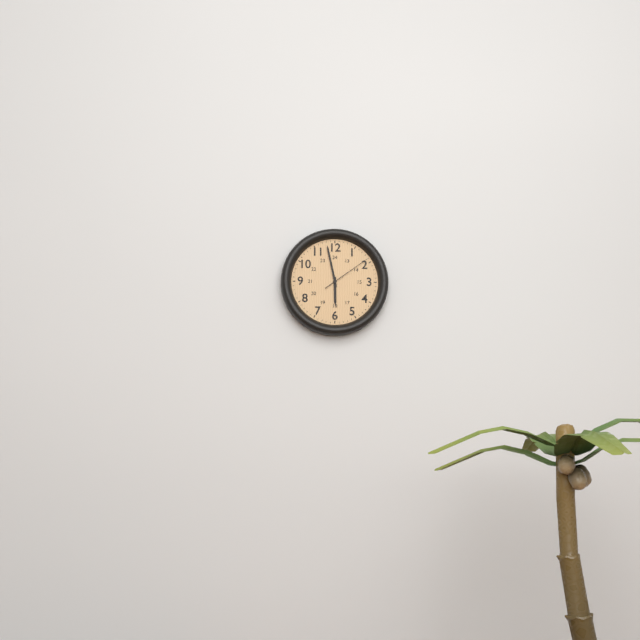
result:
{"hour": 5, "minute": 58, "second": 9}
